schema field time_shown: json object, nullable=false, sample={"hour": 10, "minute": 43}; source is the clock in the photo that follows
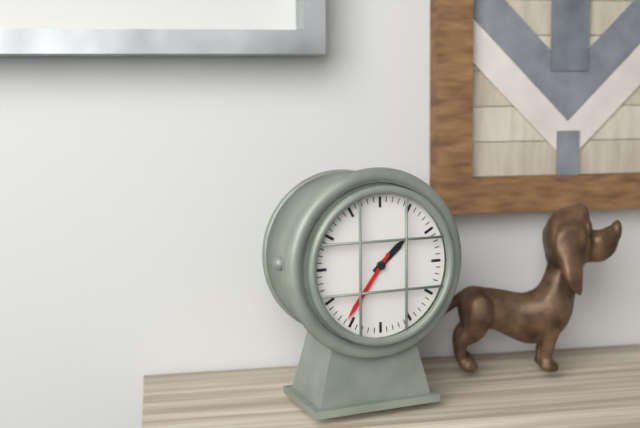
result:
{"hour": 1, "minute": 36}
